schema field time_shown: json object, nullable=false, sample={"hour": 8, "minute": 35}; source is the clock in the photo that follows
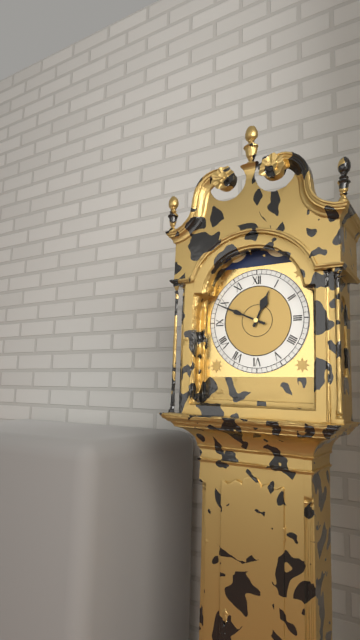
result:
{"hour": 12, "minute": 49}
